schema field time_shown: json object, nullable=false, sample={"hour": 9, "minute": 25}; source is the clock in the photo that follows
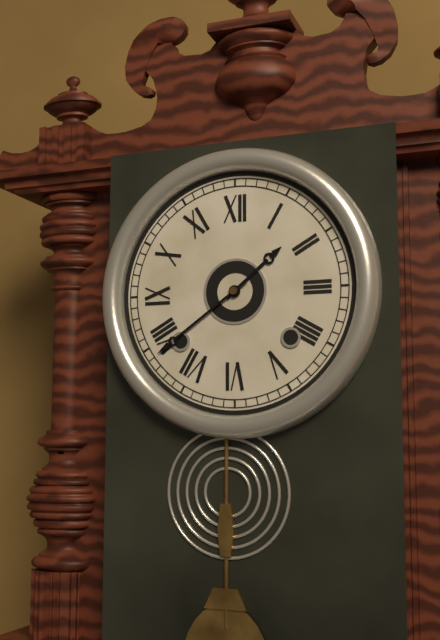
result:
{"hour": 1, "minute": 39}
